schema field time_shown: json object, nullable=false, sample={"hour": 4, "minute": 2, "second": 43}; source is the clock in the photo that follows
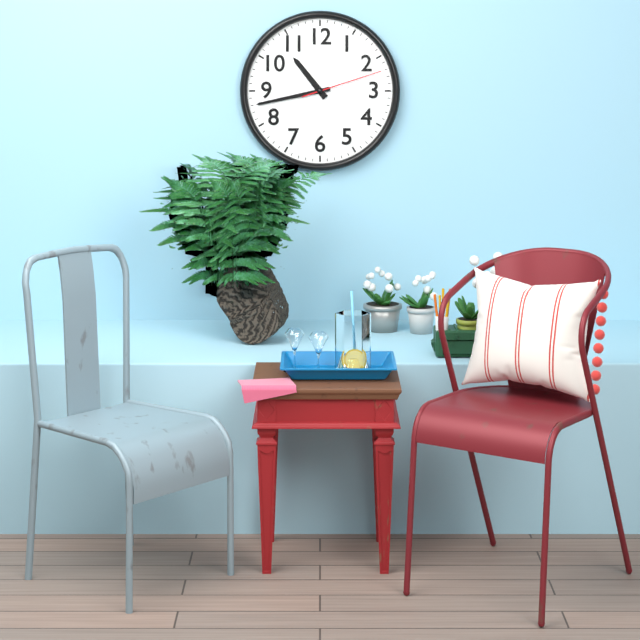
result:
{"hour": 10, "minute": 43, "second": 12}
